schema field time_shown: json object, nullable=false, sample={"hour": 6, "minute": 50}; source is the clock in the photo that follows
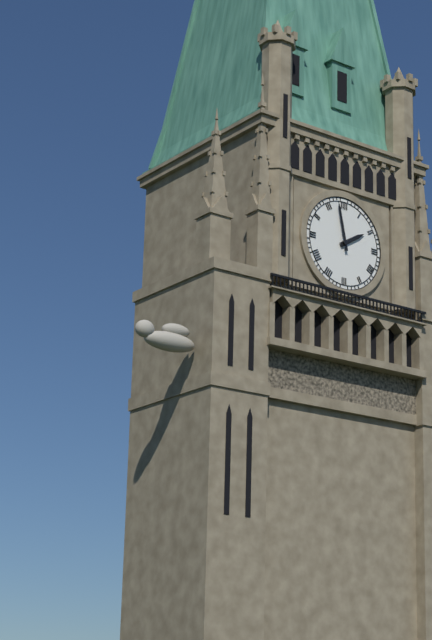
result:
{"hour": 1, "minute": 58}
